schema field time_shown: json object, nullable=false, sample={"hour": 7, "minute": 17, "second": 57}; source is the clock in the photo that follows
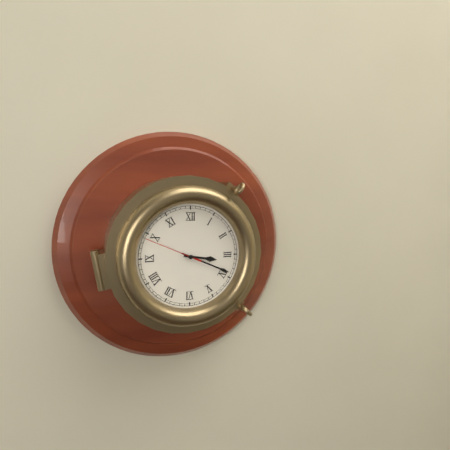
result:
{"hour": 3, "minute": 19, "second": 49}
